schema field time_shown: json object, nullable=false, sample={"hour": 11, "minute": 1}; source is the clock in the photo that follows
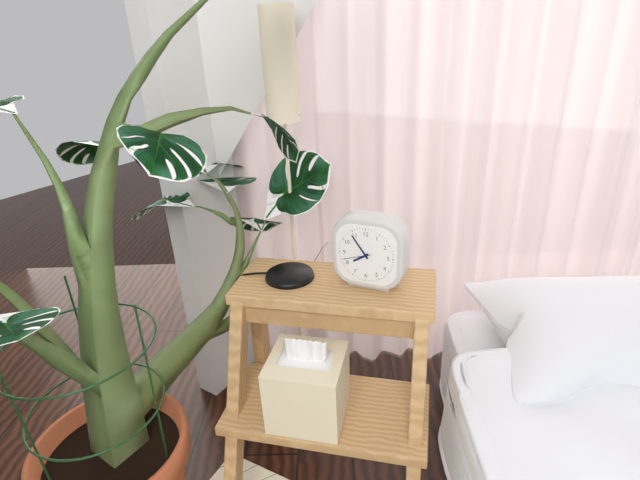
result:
{"hour": 7, "minute": 54}
